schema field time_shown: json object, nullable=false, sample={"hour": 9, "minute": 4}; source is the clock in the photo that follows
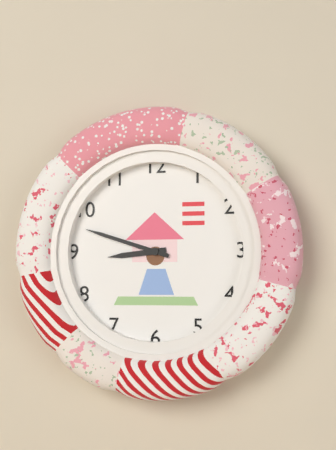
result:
{"hour": 8, "minute": 48}
